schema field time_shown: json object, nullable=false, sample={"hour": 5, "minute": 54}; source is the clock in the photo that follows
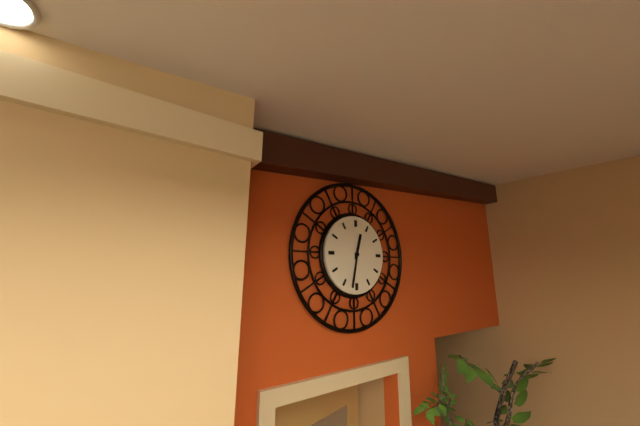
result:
{"hour": 12, "minute": 32}
